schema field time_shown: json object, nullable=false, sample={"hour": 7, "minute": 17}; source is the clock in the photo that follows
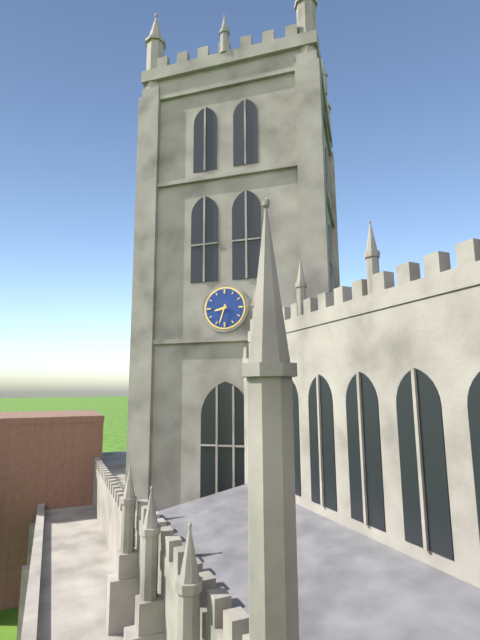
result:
{"hour": 8, "minute": 33}
